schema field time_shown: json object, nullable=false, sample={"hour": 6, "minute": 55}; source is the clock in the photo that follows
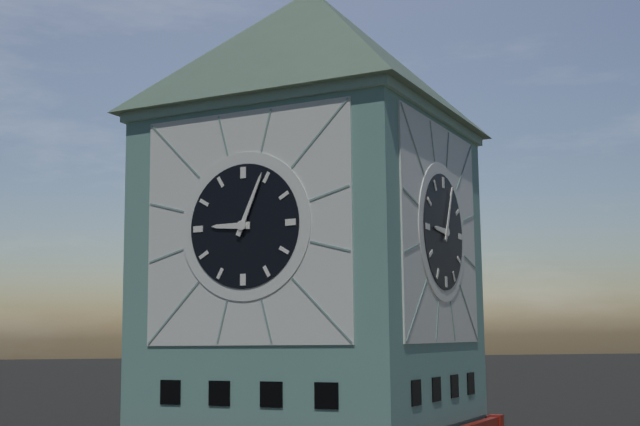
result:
{"hour": 9, "minute": 4}
